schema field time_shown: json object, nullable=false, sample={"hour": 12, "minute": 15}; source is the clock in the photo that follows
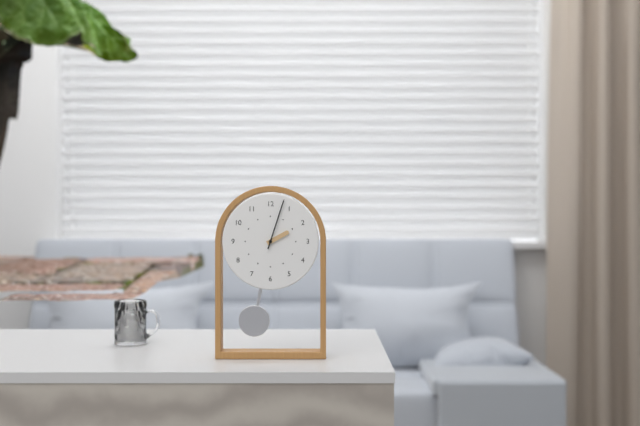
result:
{"hour": 2, "minute": 3}
